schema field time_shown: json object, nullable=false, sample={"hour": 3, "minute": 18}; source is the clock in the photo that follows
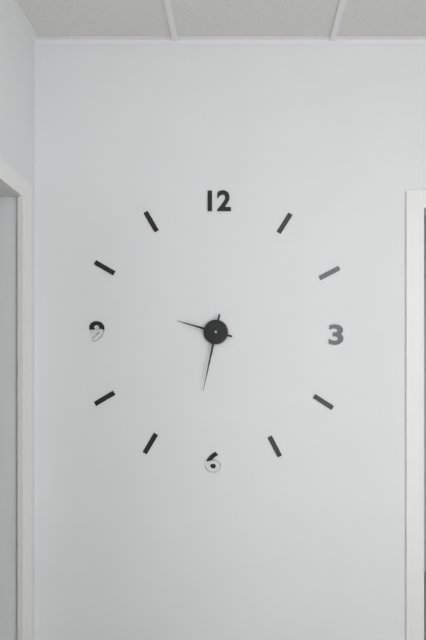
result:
{"hour": 9, "minute": 32}
